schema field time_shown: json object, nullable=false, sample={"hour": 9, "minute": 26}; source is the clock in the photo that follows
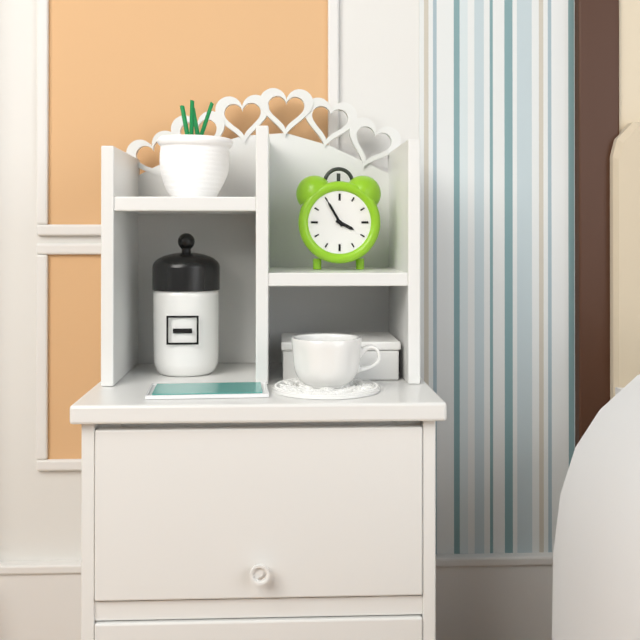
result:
{"hour": 3, "minute": 55}
